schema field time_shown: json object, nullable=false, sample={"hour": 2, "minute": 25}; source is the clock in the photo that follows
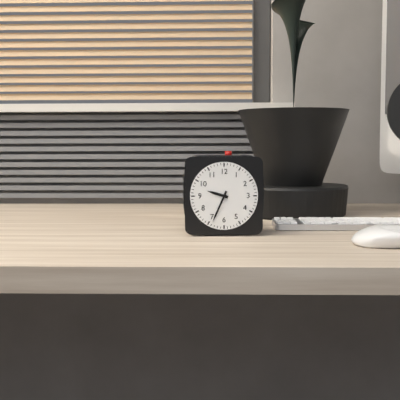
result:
{"hour": 9, "minute": 34}
